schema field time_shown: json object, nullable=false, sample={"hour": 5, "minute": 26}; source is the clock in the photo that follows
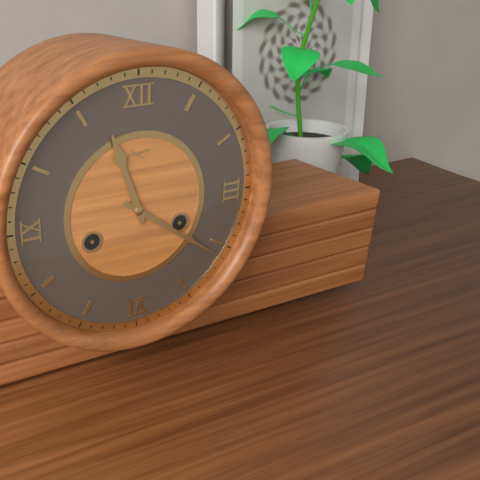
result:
{"hour": 11, "minute": 21}
